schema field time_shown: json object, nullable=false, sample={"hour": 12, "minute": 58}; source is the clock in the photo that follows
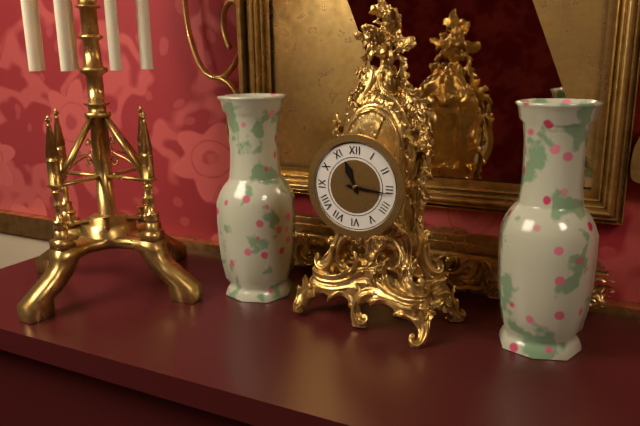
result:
{"hour": 11, "minute": 16}
